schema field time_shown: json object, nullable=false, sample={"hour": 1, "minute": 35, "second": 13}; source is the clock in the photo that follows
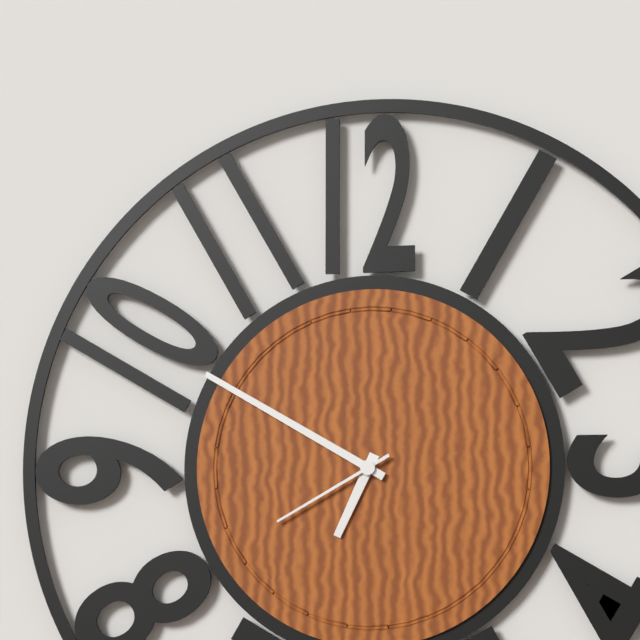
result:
{"hour": 6, "minute": 50, "second": 40}
